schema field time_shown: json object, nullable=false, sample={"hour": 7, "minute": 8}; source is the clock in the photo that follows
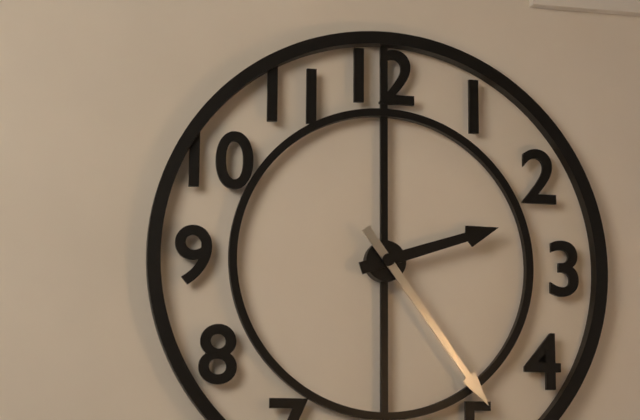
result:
{"hour": 2, "minute": 24}
